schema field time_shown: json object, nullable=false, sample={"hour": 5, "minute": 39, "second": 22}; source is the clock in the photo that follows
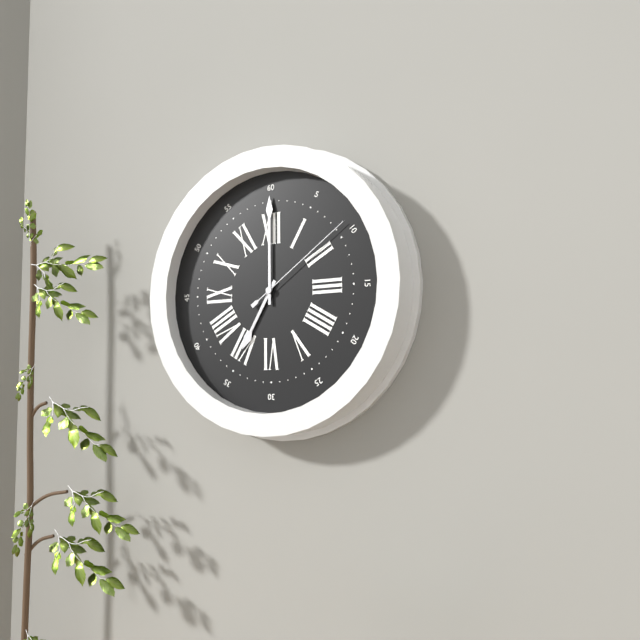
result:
{"hour": 7, "minute": 0, "second": 9}
